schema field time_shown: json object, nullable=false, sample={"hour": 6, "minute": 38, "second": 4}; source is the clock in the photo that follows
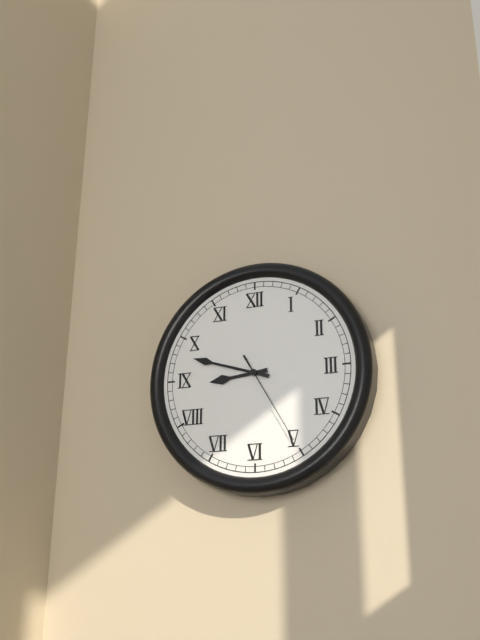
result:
{"hour": 8, "minute": 48, "second": 25}
